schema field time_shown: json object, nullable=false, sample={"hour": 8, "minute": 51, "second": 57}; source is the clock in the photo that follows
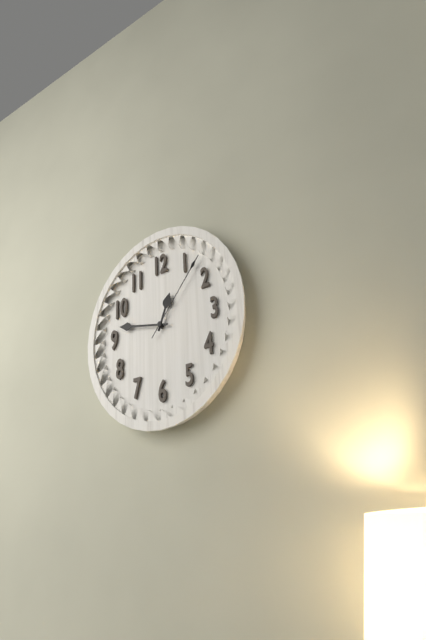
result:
{"hour": 12, "minute": 47, "second": 7}
